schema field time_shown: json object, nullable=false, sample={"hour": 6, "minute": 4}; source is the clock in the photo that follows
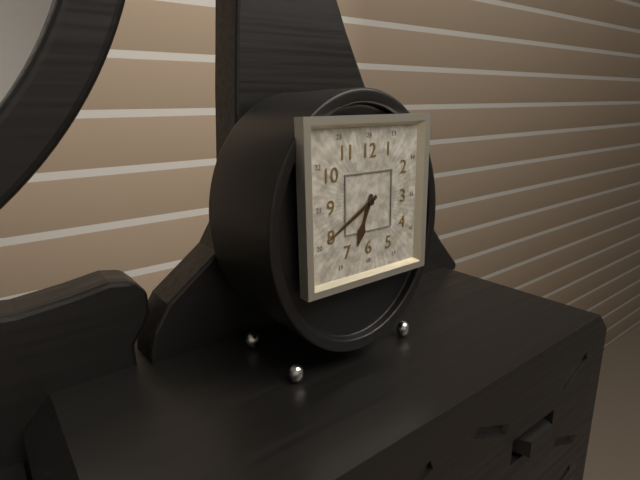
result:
{"hour": 6, "minute": 40}
